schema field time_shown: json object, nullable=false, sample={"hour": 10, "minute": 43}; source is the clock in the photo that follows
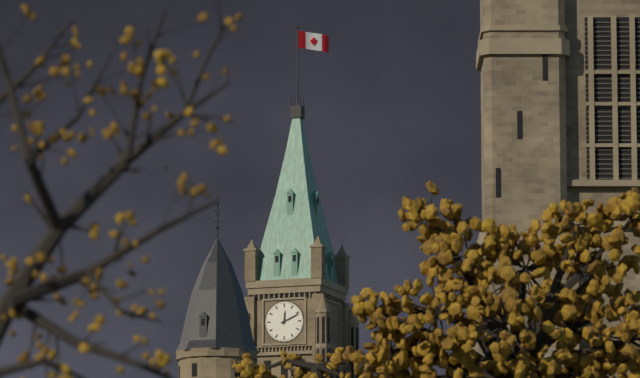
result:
{"hour": 12, "minute": 11}
